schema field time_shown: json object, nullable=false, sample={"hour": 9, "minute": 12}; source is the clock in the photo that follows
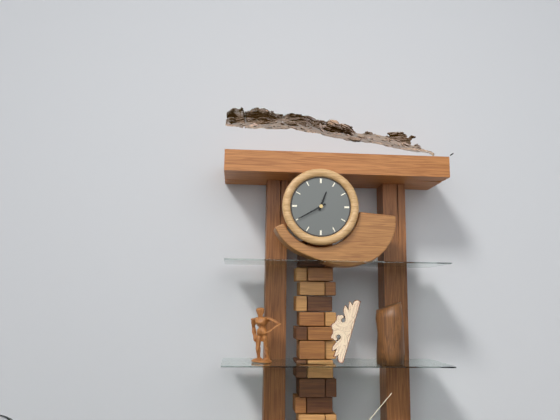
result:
{"hour": 12, "minute": 40}
